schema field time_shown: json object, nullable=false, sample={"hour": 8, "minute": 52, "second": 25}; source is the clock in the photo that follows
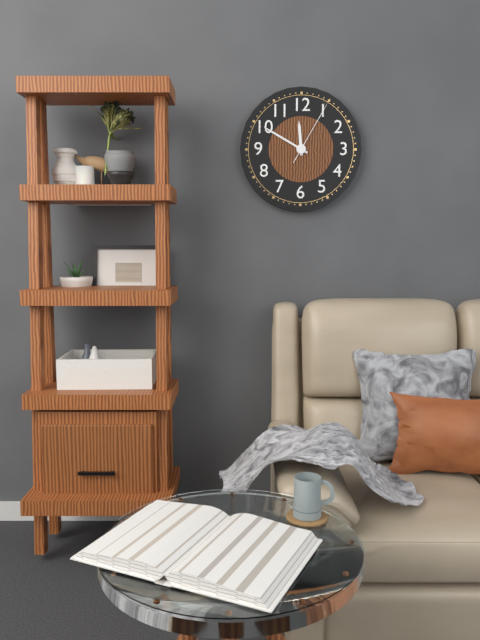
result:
{"hour": 11, "minute": 50, "second": 5}
